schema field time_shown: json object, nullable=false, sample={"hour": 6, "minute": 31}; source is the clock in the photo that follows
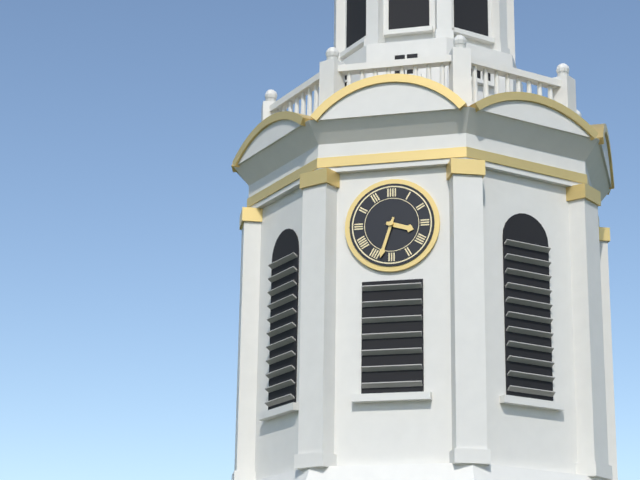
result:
{"hour": 3, "minute": 33}
